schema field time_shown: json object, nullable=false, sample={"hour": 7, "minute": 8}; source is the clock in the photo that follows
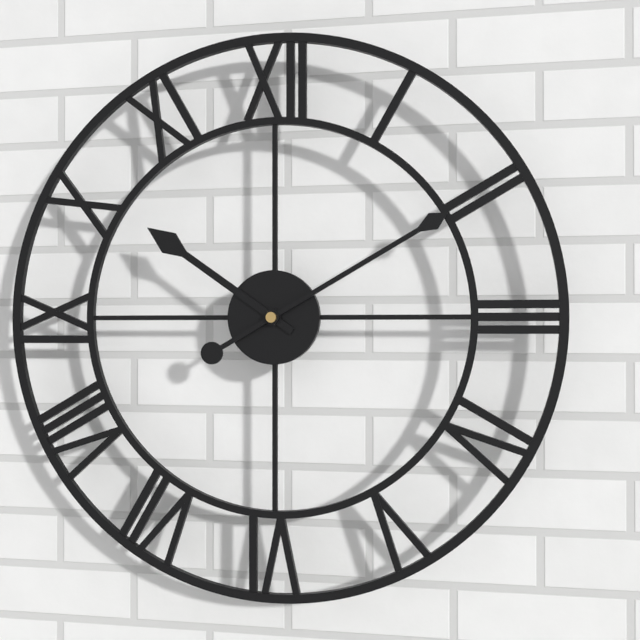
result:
{"hour": 10, "minute": 10}
